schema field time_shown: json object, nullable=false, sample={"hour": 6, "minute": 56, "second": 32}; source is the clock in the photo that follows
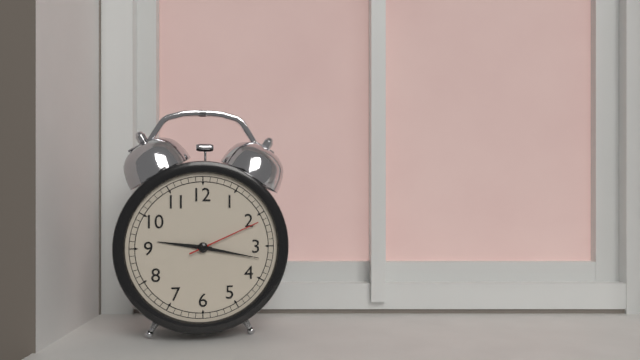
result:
{"hour": 9, "minute": 17, "second": 11}
